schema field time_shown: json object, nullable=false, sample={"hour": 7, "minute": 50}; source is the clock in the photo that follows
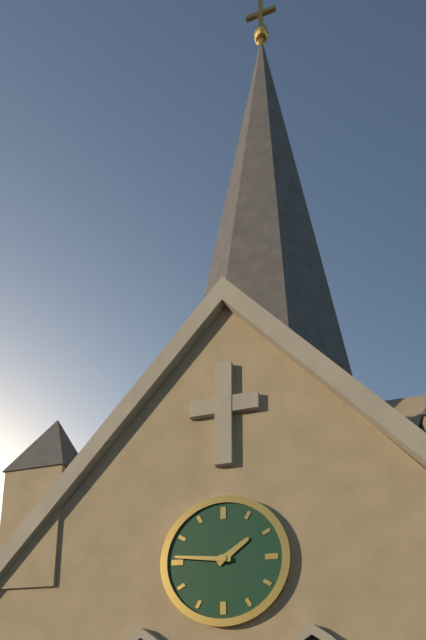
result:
{"hour": 1, "minute": 46}
